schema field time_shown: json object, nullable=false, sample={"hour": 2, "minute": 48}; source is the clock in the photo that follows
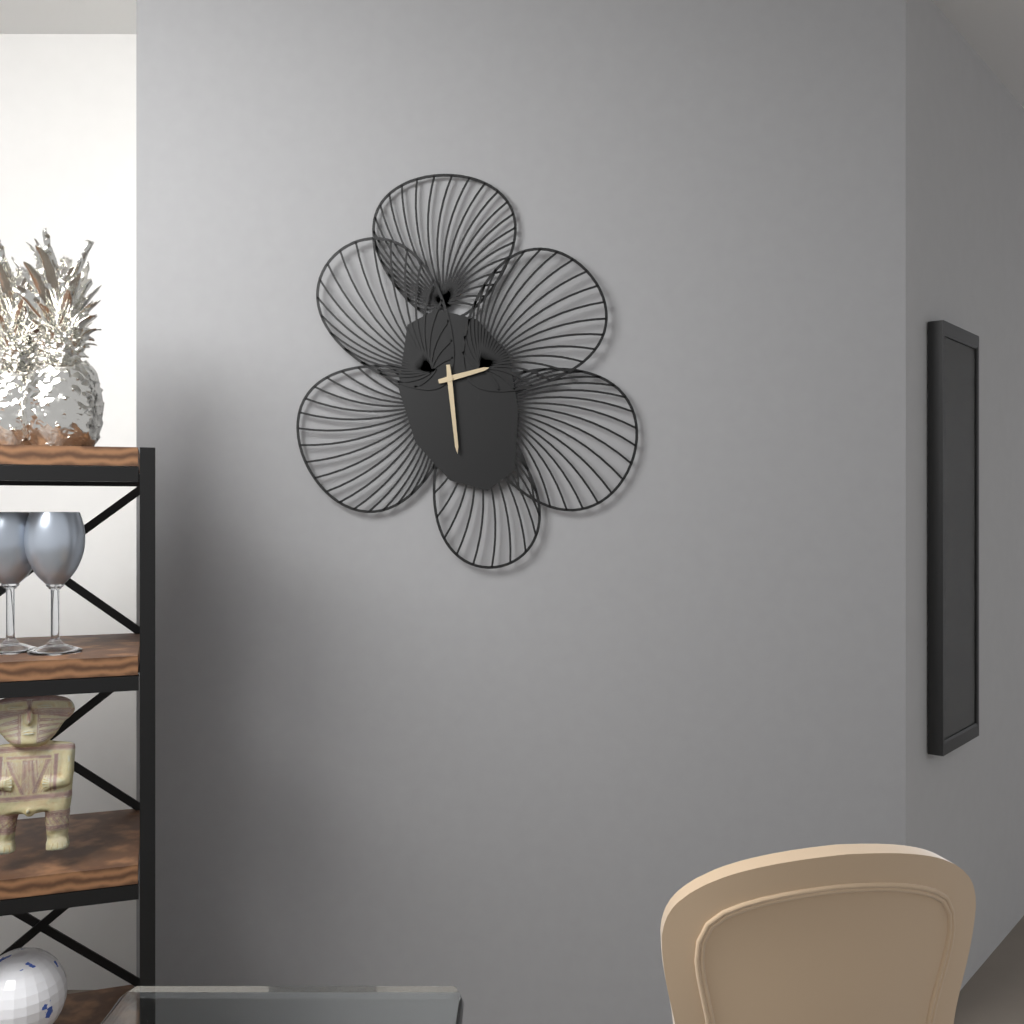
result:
{"hour": 2, "minute": 29}
